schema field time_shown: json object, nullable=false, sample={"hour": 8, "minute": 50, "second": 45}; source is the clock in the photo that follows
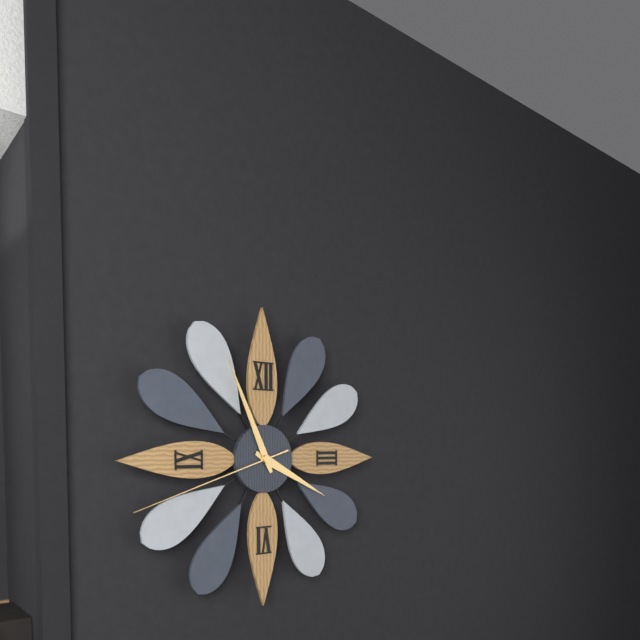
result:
{"hour": 3, "minute": 56, "second": 42}
